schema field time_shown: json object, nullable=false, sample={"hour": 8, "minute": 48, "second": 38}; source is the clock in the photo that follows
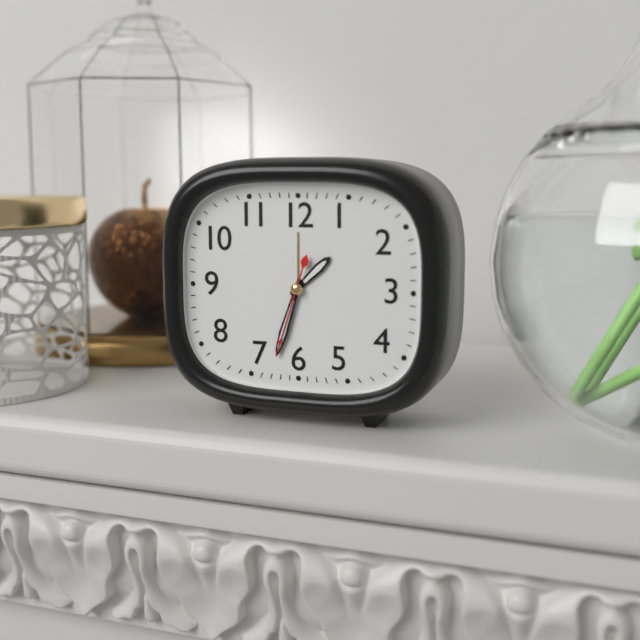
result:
{"hour": 1, "minute": 33, "second": 33}
